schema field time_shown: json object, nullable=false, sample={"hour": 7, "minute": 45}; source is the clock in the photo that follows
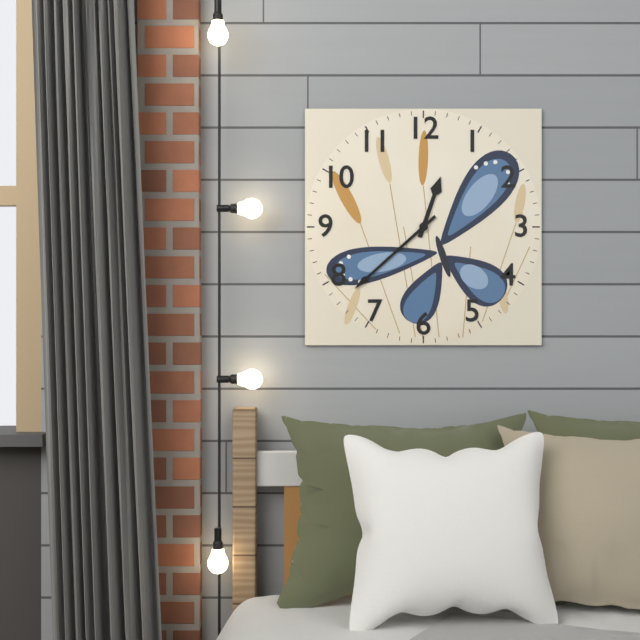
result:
{"hour": 12, "minute": 38}
